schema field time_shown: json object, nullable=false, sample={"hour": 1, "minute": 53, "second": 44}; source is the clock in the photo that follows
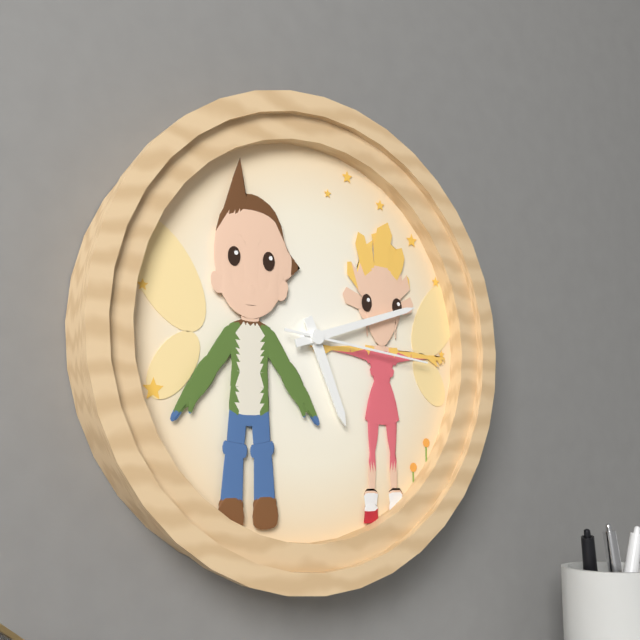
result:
{"hour": 5, "minute": 12, "second": 16}
